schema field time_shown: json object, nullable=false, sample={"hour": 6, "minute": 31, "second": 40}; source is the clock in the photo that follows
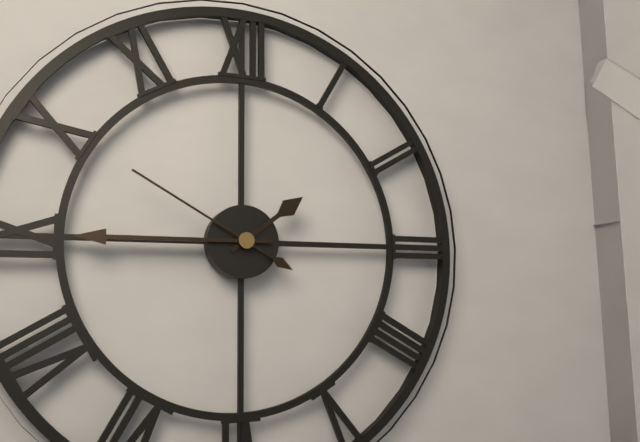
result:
{"hour": 1, "minute": 45, "second": 50}
